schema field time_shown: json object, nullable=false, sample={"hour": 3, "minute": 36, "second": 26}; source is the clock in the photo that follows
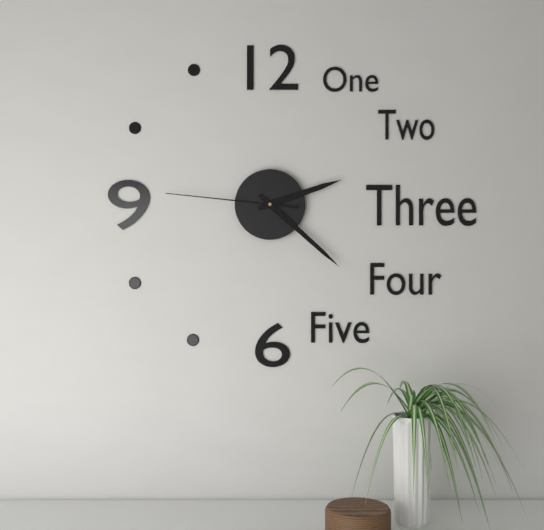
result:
{"hour": 2, "minute": 22, "second": 46}
